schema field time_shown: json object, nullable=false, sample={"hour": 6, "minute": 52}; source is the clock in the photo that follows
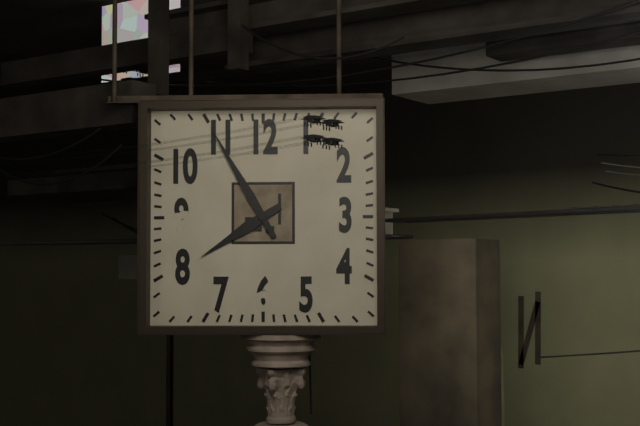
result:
{"hour": 7, "minute": 55}
